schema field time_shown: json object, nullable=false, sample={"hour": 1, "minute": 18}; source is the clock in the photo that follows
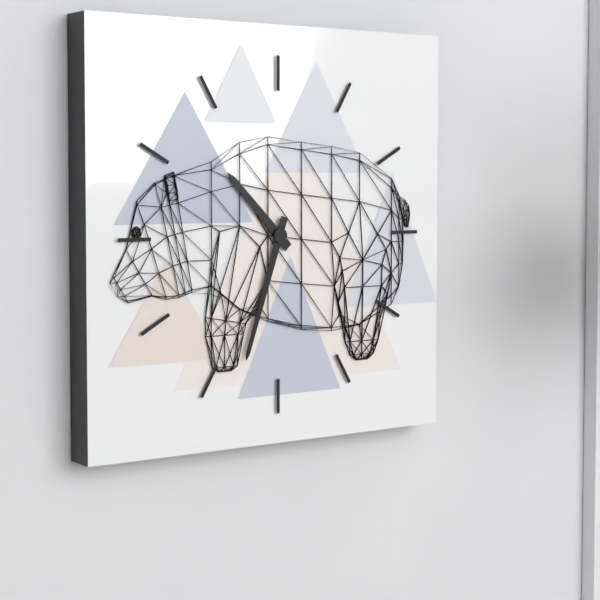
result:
{"hour": 10, "minute": 33}
